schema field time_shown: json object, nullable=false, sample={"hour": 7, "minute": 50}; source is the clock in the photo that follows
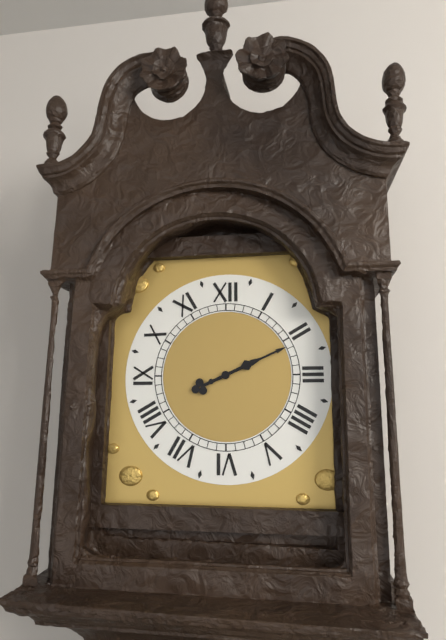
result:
{"hour": 2, "minute": 11}
